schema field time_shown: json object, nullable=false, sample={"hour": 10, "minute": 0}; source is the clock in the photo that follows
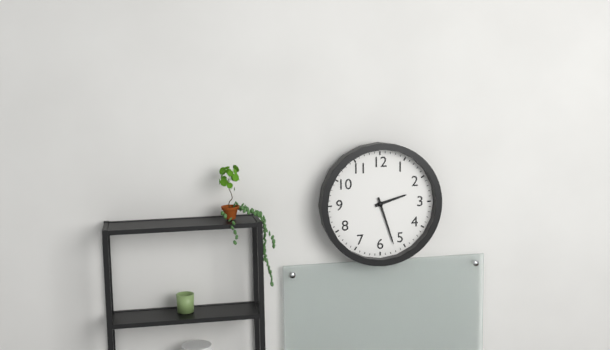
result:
{"hour": 2, "minute": 27}
